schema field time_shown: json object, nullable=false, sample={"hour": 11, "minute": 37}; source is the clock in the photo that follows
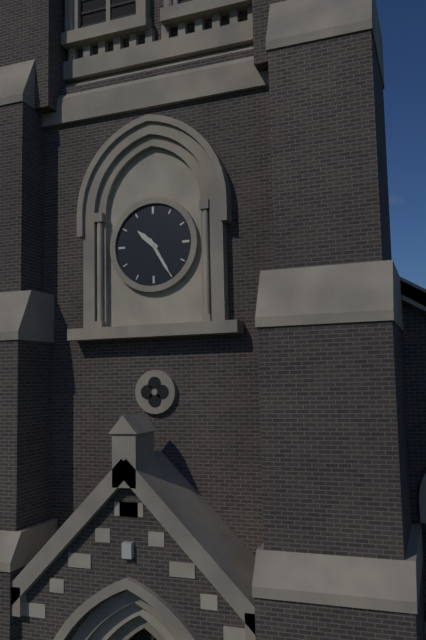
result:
{"hour": 10, "minute": 25}
